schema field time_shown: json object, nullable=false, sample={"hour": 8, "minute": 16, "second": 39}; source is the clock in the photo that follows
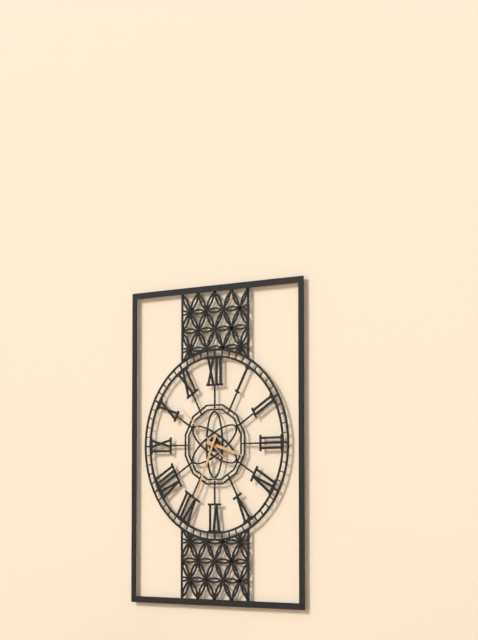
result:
{"hour": 3, "minute": 34, "second": 52}
